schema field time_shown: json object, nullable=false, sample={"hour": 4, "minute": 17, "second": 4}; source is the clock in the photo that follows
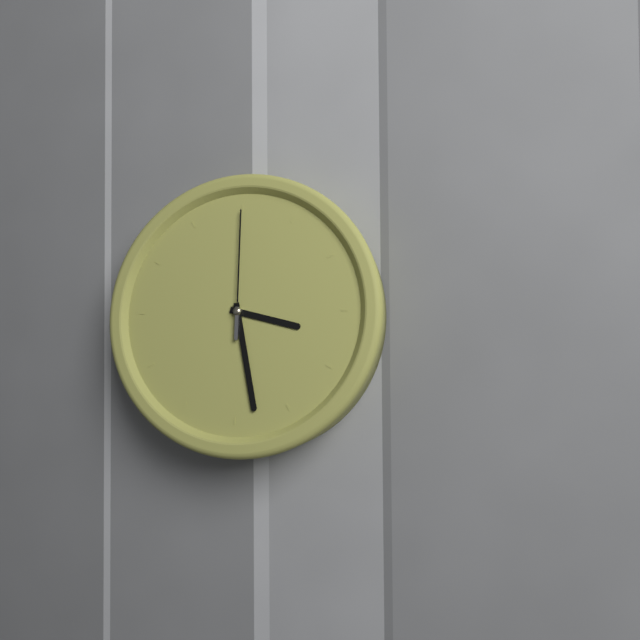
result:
{"hour": 3, "minute": 28, "second": 0}
